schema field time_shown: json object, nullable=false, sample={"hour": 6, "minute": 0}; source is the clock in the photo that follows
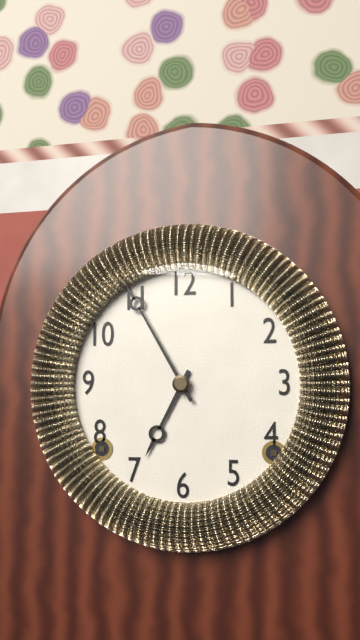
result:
{"hour": 6, "minute": 55}
